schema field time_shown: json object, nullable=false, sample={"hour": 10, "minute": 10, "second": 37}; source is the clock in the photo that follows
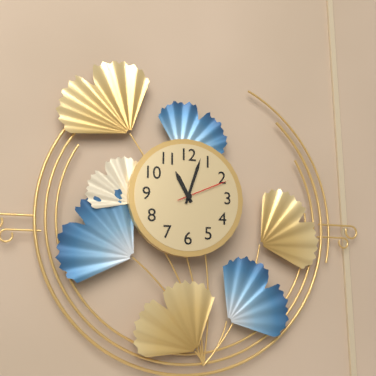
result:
{"hour": 11, "minute": 3, "second": 11}
